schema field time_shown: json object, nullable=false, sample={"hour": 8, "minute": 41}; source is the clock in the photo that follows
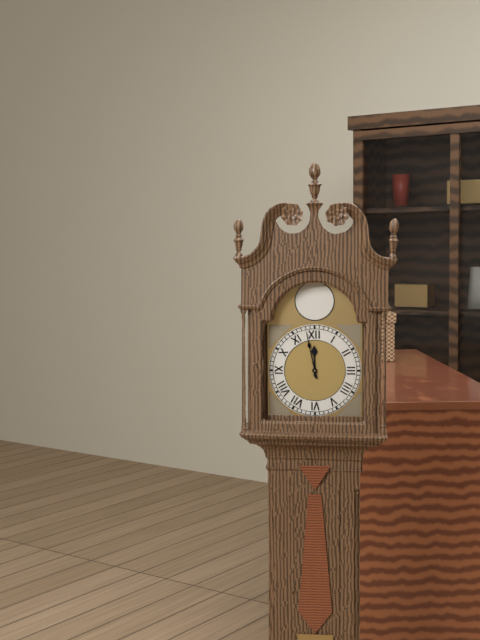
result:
{"hour": 11, "minute": 58}
